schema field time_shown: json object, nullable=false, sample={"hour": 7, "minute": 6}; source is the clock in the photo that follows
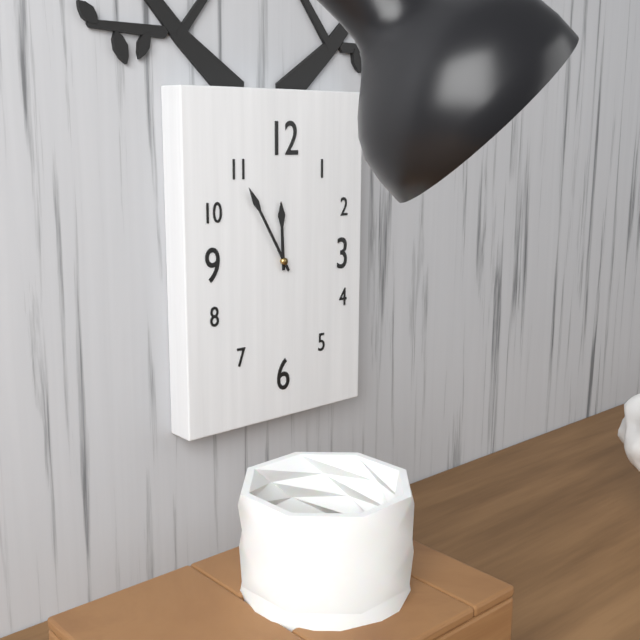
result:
{"hour": 11, "minute": 55}
